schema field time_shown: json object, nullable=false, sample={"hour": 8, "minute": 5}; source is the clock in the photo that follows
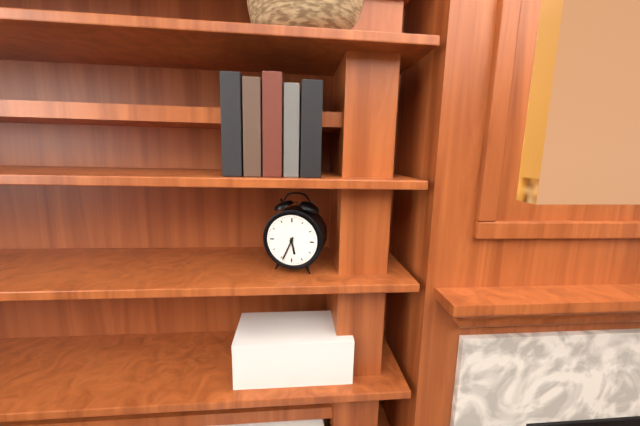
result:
{"hour": 5, "minute": 34}
